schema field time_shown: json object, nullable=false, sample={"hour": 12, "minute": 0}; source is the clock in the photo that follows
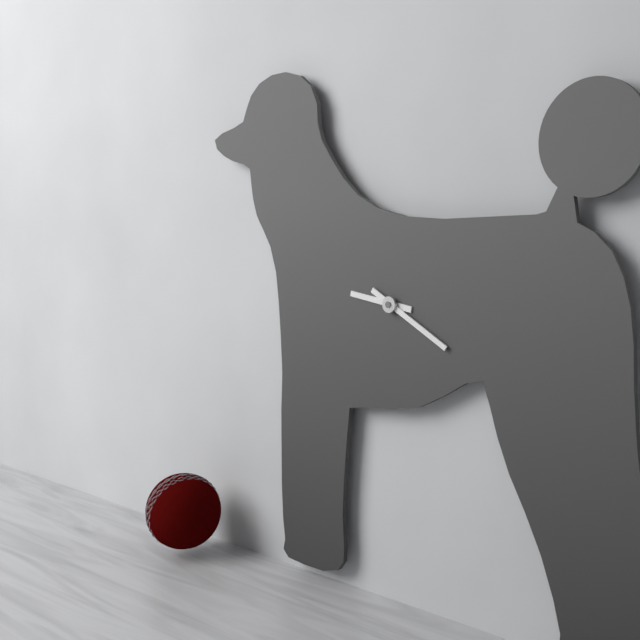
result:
{"hour": 9, "minute": 20}
